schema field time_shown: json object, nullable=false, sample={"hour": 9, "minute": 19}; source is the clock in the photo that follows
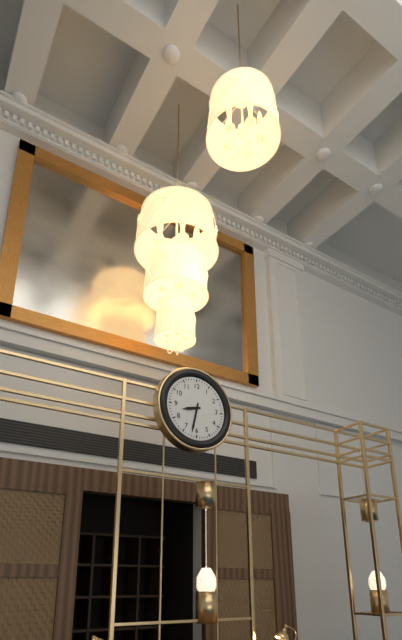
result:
{"hour": 8, "minute": 32}
